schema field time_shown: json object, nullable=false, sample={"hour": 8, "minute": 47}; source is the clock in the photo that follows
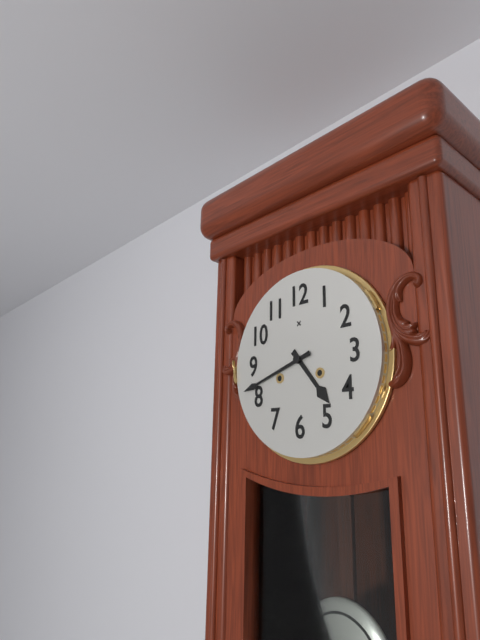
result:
{"hour": 4, "minute": 42}
